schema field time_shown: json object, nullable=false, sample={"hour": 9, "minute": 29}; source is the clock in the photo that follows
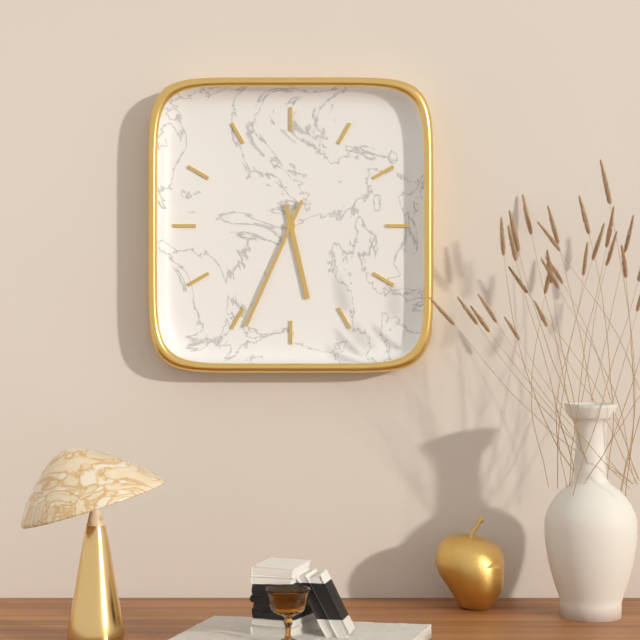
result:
{"hour": 5, "minute": 34}
